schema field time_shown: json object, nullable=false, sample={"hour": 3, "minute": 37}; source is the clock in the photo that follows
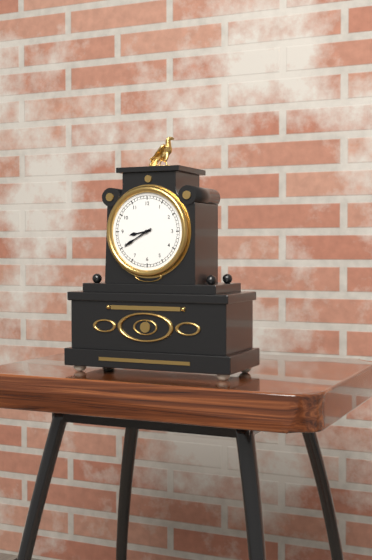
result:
{"hour": 8, "minute": 40}
